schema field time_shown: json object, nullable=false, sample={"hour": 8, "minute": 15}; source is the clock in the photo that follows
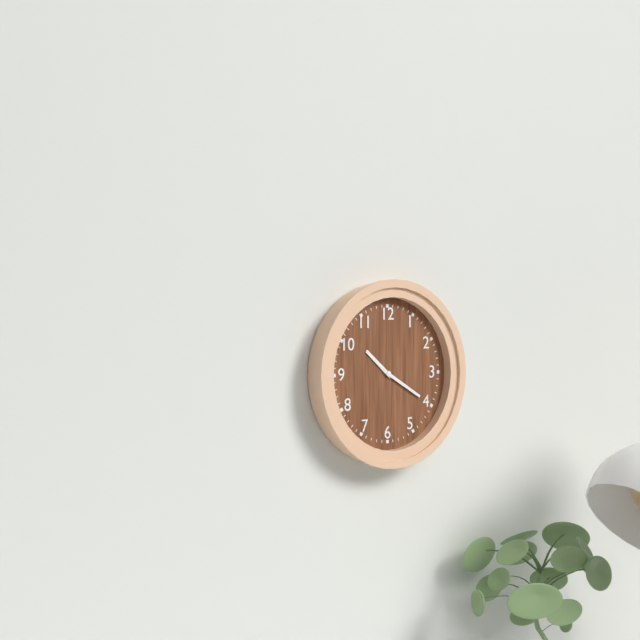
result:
{"hour": 10, "minute": 20}
